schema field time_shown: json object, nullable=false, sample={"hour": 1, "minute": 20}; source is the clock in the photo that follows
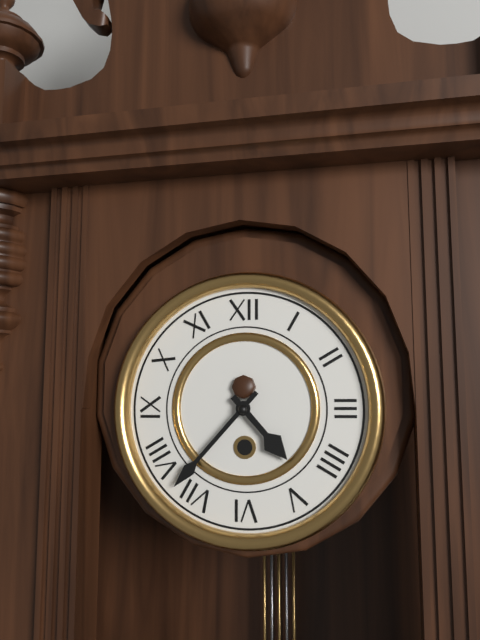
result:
{"hour": 4, "minute": 37}
